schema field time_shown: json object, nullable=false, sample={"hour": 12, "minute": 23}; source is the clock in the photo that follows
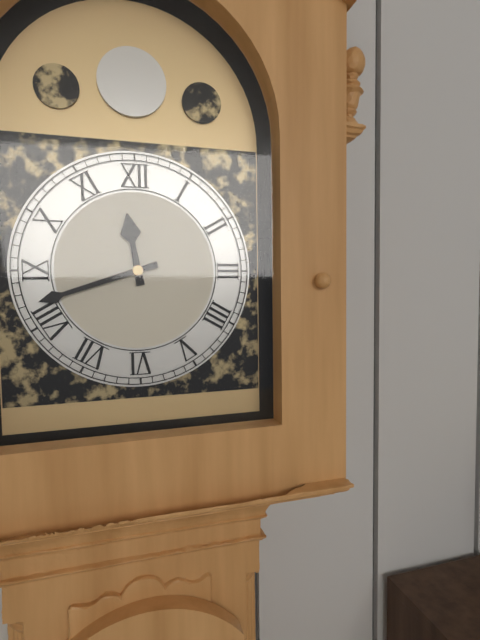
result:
{"hour": 11, "minute": 42}
